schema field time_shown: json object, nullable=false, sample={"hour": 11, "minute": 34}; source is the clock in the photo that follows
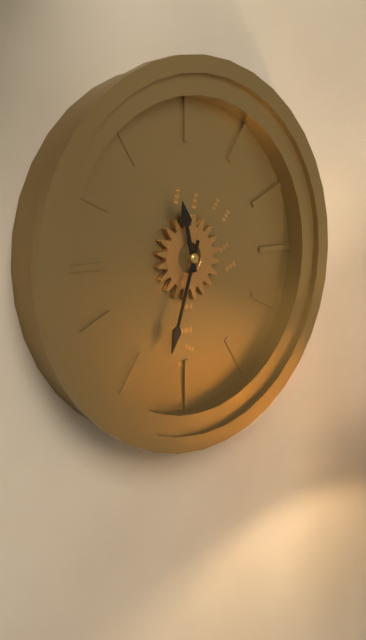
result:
{"hour": 11, "minute": 33}
